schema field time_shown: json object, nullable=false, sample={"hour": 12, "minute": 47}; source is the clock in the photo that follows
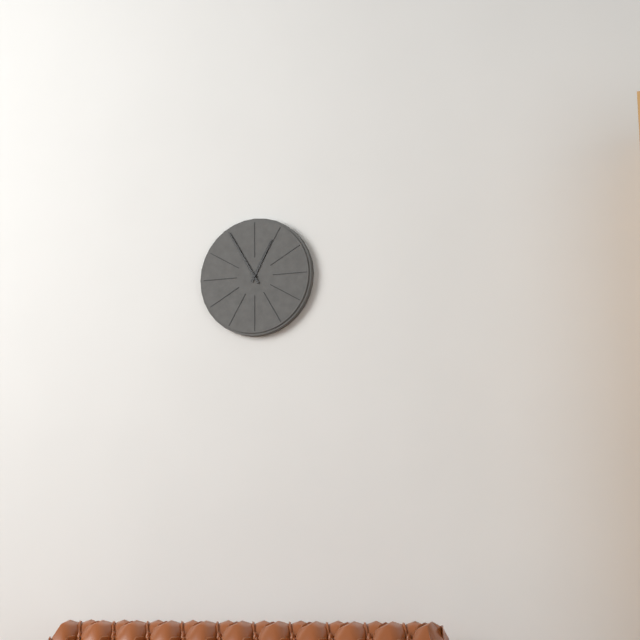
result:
{"hour": 12, "minute": 55}
